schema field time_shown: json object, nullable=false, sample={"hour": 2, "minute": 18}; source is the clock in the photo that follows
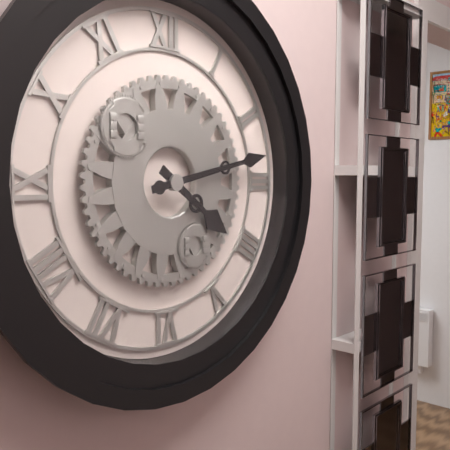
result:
{"hour": 4, "minute": 13}
